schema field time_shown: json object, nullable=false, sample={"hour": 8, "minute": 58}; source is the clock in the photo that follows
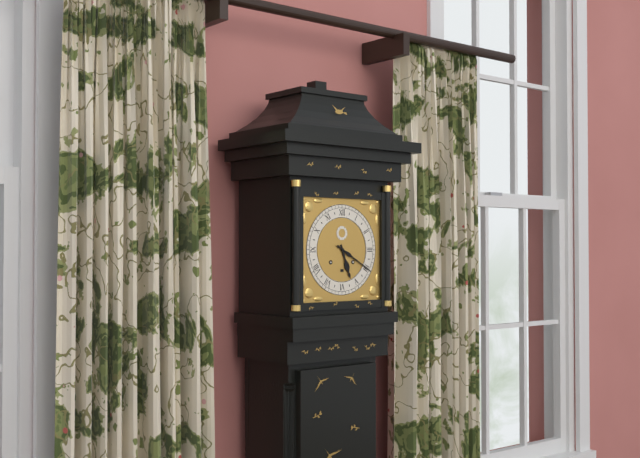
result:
{"hour": 5, "minute": 20}
